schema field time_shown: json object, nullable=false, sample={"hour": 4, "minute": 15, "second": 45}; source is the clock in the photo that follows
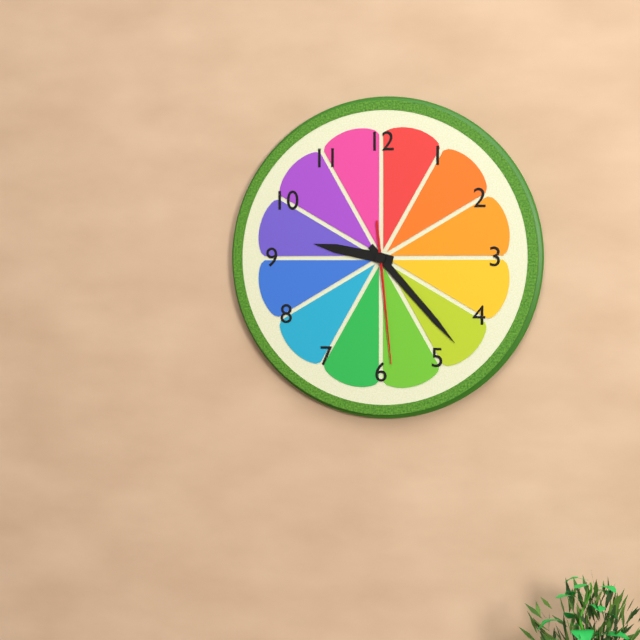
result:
{"hour": 9, "minute": 23, "second": 29}
